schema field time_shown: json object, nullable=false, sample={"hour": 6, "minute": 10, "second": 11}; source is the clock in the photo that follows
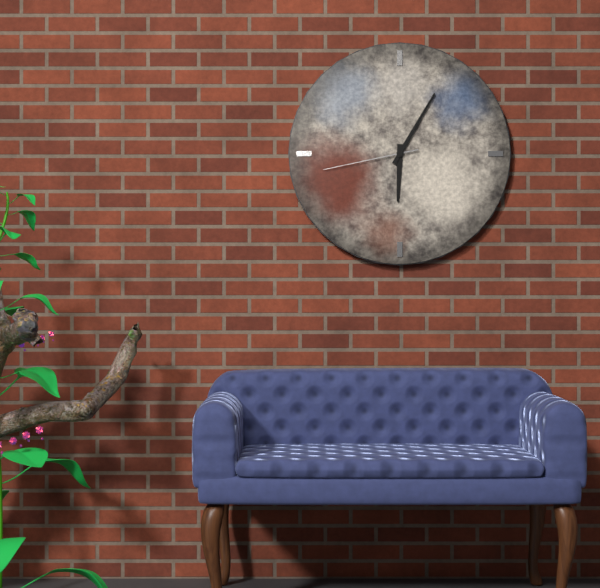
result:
{"hour": 6, "minute": 5, "second": 43}
